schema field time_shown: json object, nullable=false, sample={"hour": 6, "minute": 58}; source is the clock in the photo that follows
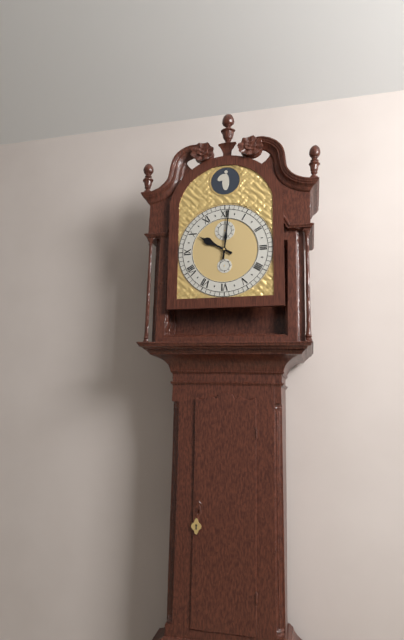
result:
{"hour": 10, "minute": 1}
